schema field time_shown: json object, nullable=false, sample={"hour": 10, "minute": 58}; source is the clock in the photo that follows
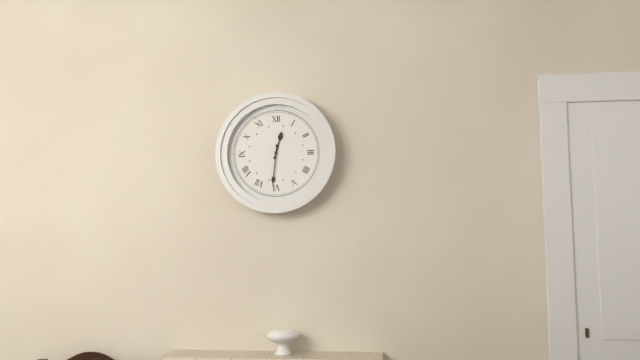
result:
{"hour": 12, "minute": 31}
